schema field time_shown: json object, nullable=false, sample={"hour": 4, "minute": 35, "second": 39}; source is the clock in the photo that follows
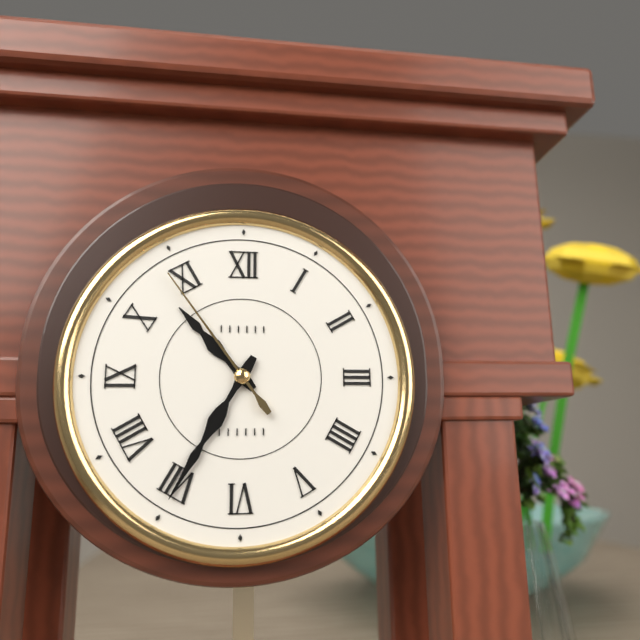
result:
{"hour": 10, "minute": 35, "second": 54}
